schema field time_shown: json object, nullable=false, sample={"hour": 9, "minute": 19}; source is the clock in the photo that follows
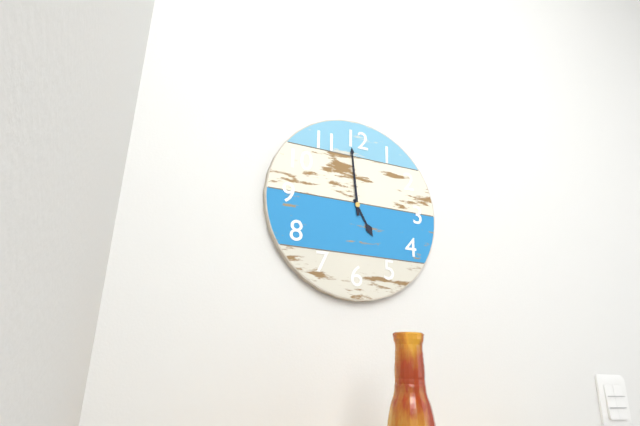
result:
{"hour": 4, "minute": 59}
